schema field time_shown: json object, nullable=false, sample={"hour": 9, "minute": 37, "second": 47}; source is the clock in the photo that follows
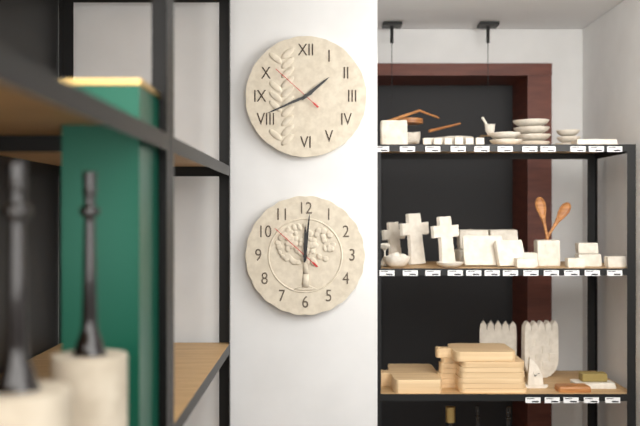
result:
{"hour": 1, "minute": 41, "second": 52}
